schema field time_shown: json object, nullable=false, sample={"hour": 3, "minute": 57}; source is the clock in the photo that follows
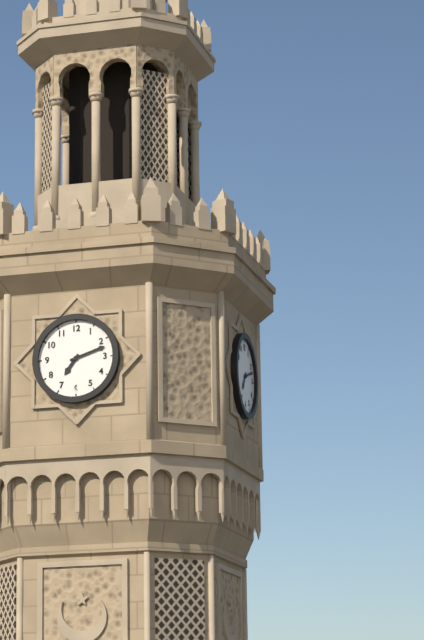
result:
{"hour": 7, "minute": 12}
